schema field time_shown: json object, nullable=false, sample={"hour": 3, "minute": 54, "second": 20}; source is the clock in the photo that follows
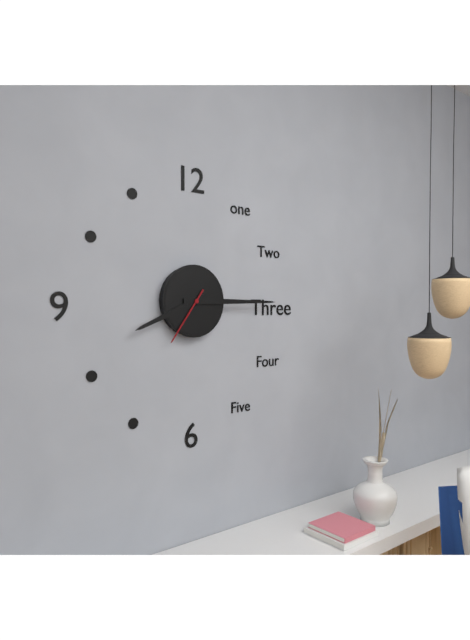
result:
{"hour": 8, "minute": 15, "second": 36}
